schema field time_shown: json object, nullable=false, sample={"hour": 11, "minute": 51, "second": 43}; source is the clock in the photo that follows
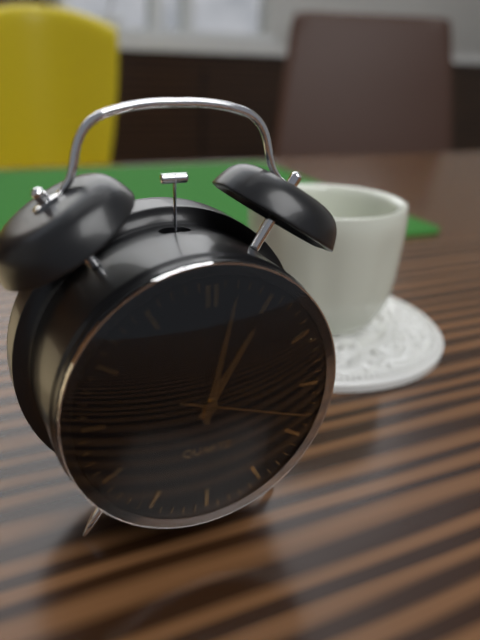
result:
{"hour": 1, "minute": 2, "second": 18}
